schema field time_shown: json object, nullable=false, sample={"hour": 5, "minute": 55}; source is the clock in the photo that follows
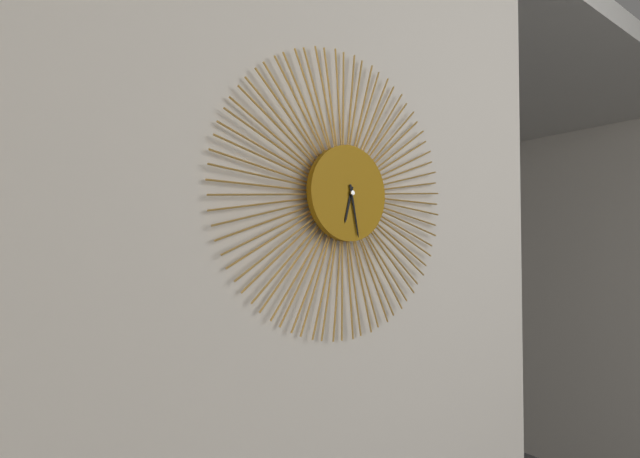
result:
{"hour": 6, "minute": 28}
